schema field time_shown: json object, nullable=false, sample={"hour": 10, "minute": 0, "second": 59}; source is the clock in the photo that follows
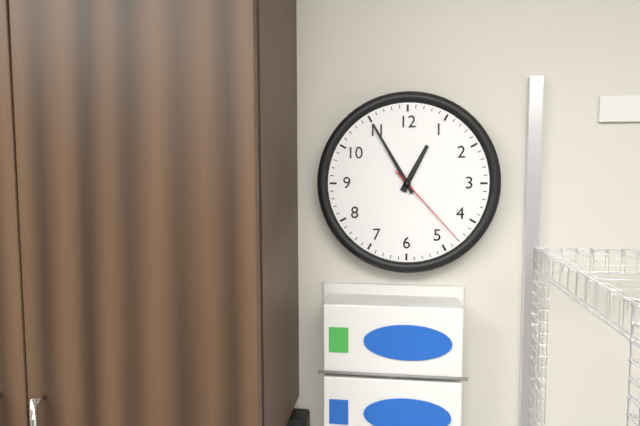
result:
{"hour": 12, "minute": 55, "second": 23}
